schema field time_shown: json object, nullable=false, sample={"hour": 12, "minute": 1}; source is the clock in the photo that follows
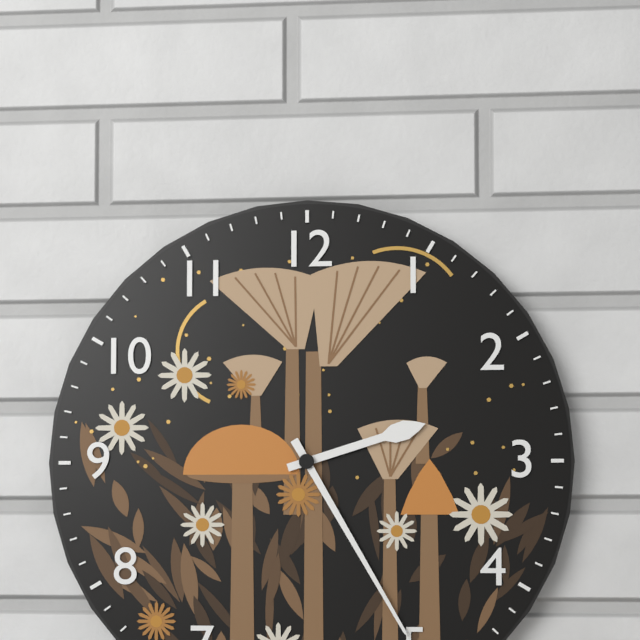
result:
{"hour": 2, "minute": 25}
